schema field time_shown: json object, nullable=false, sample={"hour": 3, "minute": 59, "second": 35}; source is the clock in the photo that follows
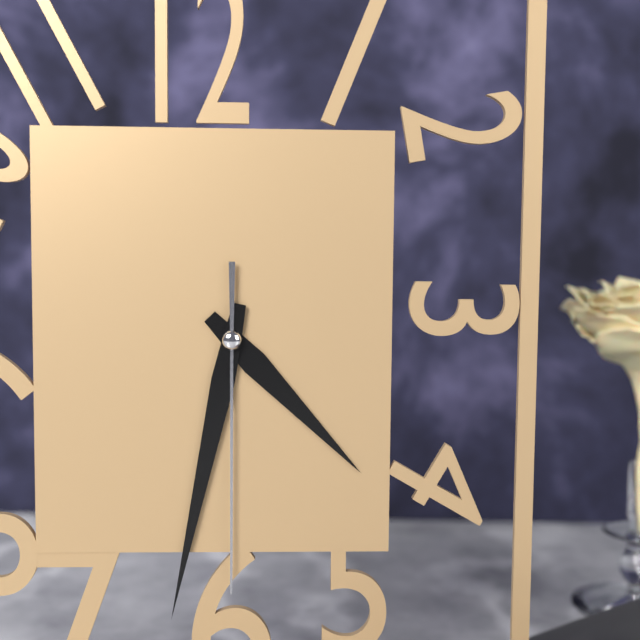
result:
{"hour": 4, "minute": 32, "second": 30}
